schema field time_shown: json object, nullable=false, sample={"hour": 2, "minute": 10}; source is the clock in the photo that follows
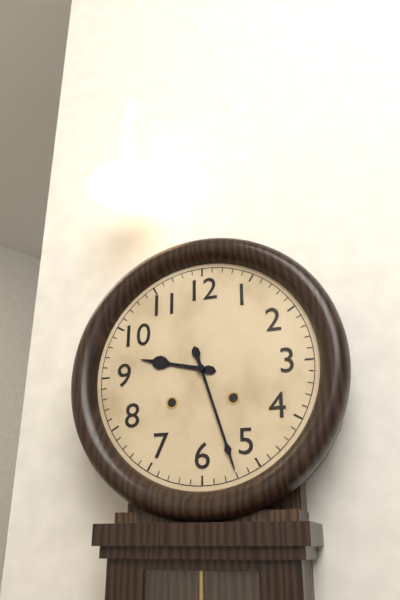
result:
{"hour": 9, "minute": 27}
